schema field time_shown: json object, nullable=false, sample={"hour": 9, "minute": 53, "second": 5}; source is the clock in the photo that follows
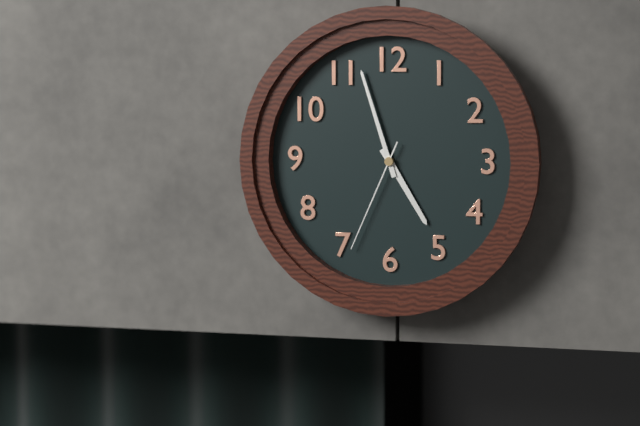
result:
{"hour": 4, "minute": 57, "second": 34}
